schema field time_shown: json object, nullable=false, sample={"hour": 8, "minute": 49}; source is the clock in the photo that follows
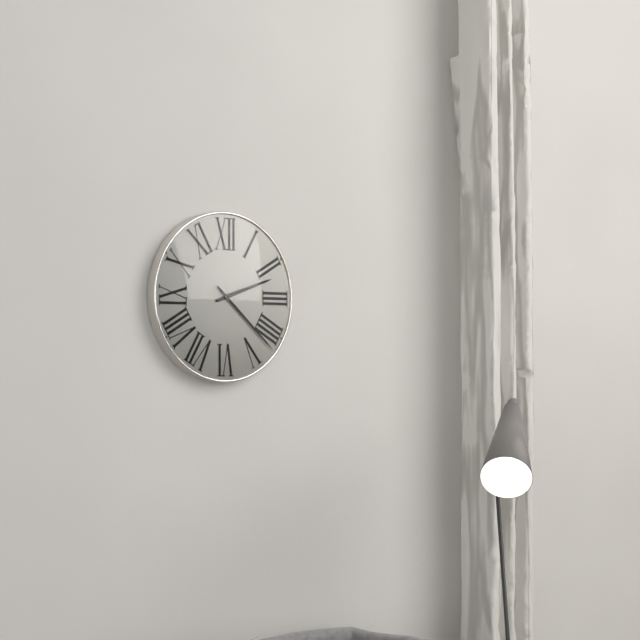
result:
{"hour": 2, "minute": 22}
